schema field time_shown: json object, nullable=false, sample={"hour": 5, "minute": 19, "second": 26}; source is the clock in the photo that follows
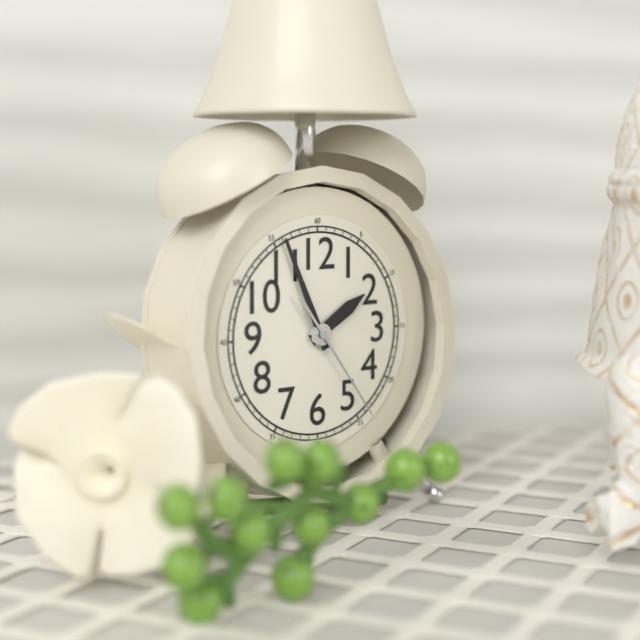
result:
{"hour": 1, "minute": 56, "second": 24}
